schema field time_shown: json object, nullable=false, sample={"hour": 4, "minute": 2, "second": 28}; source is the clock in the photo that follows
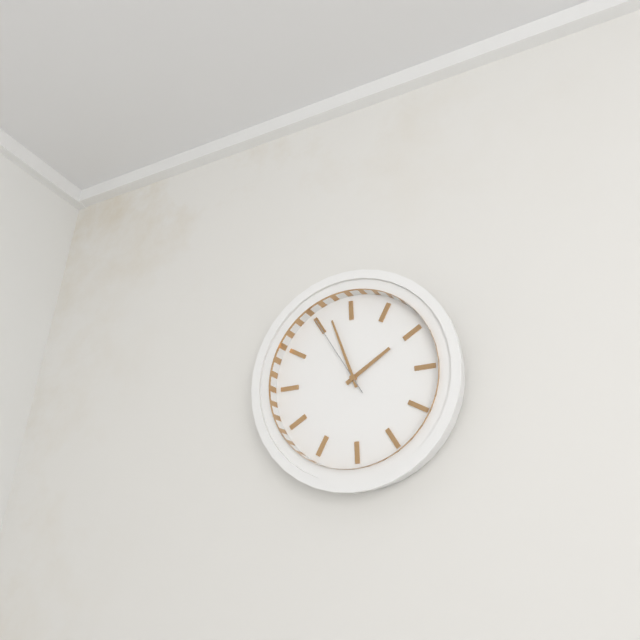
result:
{"hour": 1, "minute": 57, "second": 55}
